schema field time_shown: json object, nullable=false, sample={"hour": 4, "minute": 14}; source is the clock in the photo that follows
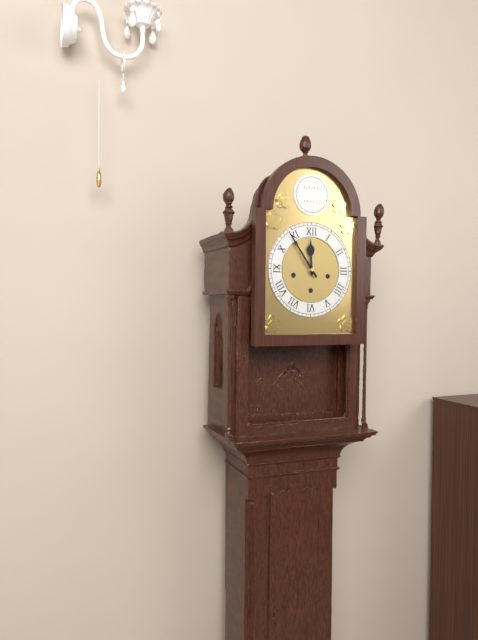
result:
{"hour": 11, "minute": 54}
